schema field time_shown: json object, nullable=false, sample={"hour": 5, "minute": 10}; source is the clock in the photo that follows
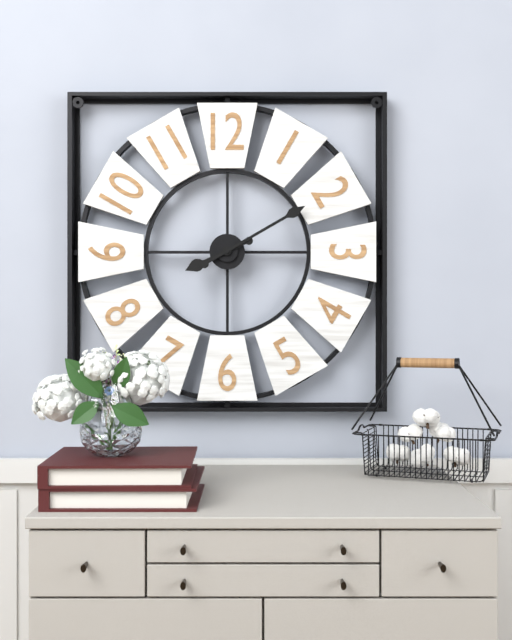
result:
{"hour": 8, "minute": 10}
